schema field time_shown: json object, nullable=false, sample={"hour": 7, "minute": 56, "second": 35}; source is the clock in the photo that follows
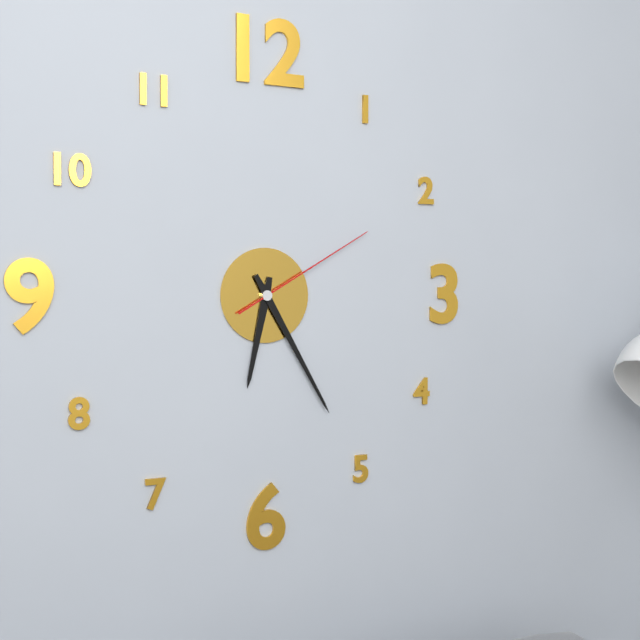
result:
{"hour": 6, "minute": 25, "second": 10}
